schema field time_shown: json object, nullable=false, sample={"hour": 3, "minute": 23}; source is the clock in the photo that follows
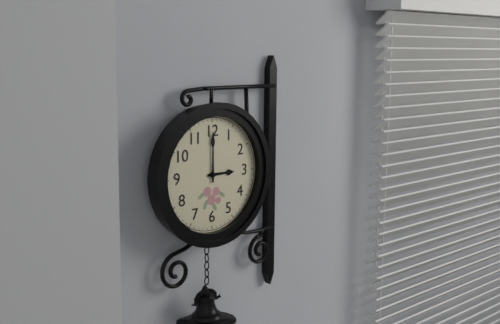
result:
{"hour": 3, "minute": 0}
